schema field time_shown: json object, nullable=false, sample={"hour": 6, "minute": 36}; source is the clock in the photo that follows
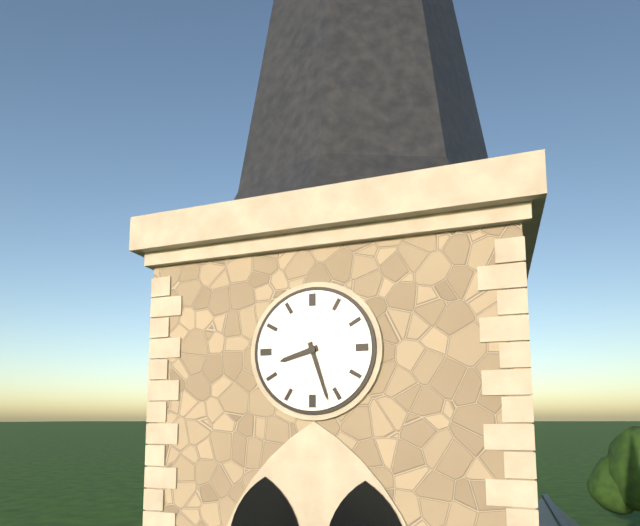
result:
{"hour": 8, "minute": 27}
